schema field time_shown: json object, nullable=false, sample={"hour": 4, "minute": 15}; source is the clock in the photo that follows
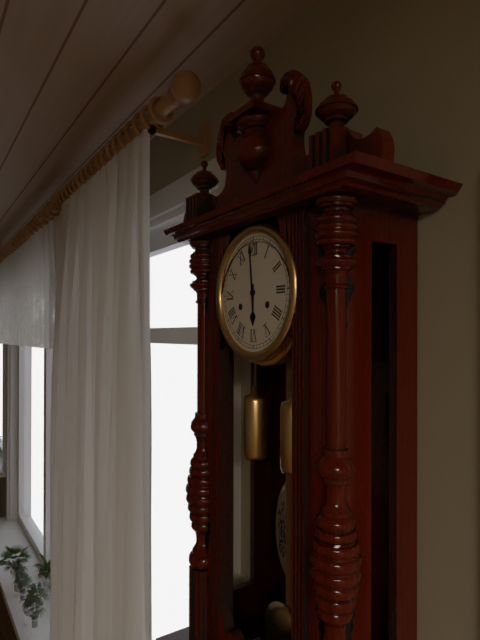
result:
{"hour": 5, "minute": 59}
